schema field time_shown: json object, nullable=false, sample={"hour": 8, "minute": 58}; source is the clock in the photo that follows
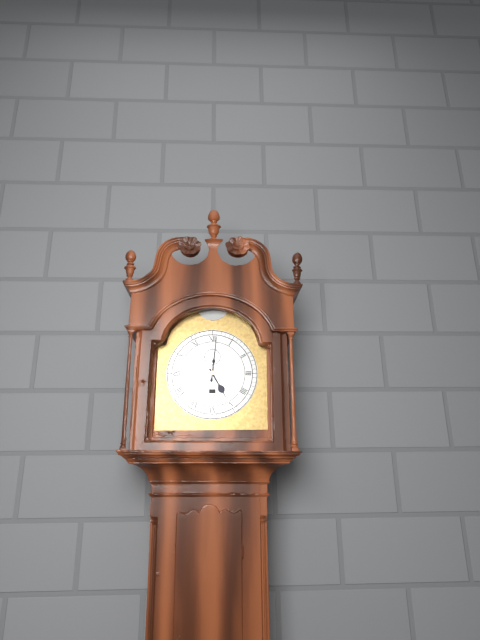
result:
{"hour": 5, "minute": 1}
